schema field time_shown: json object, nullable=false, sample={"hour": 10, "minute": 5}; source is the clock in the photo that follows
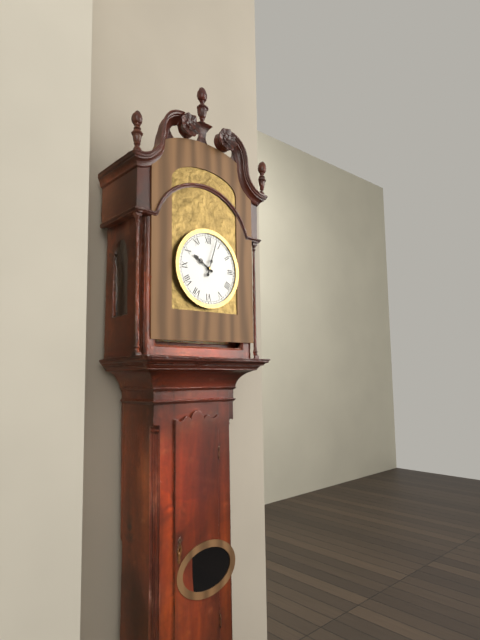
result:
{"hour": 10, "minute": 3}
